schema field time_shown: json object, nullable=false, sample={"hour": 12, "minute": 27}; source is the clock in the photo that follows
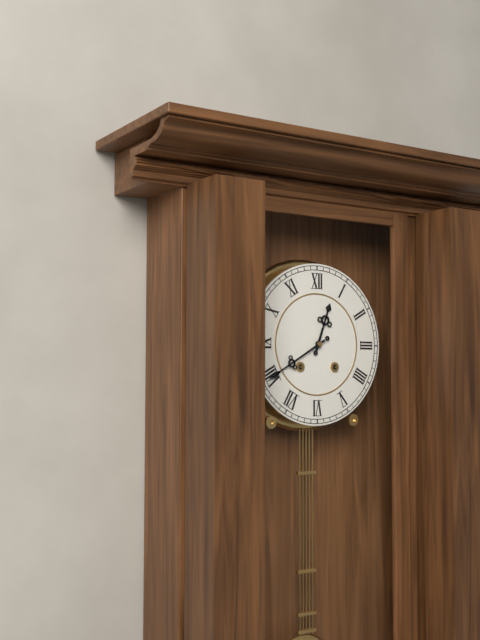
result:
{"hour": 12, "minute": 40}
